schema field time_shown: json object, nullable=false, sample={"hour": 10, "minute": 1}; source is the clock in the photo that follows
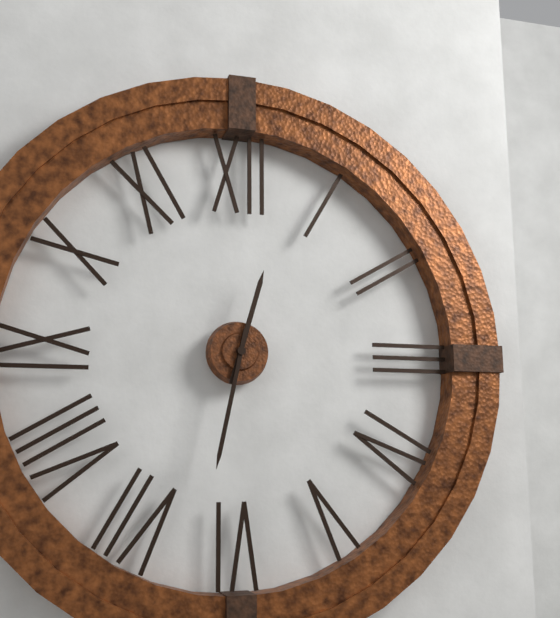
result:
{"hour": 12, "minute": 32}
